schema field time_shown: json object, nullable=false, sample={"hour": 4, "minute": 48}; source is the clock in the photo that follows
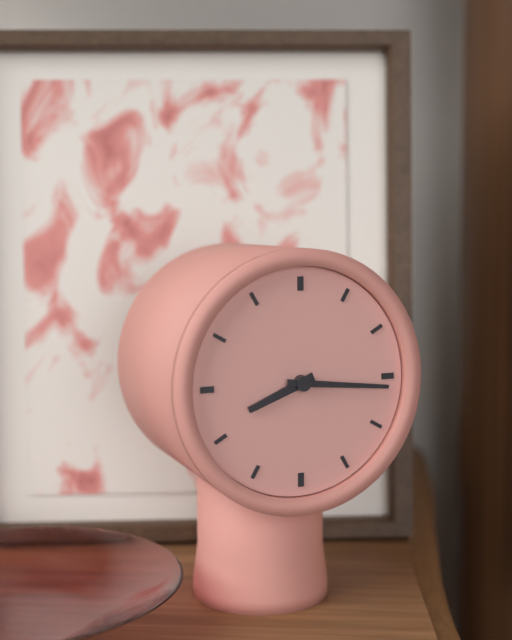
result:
{"hour": 8, "minute": 16}
